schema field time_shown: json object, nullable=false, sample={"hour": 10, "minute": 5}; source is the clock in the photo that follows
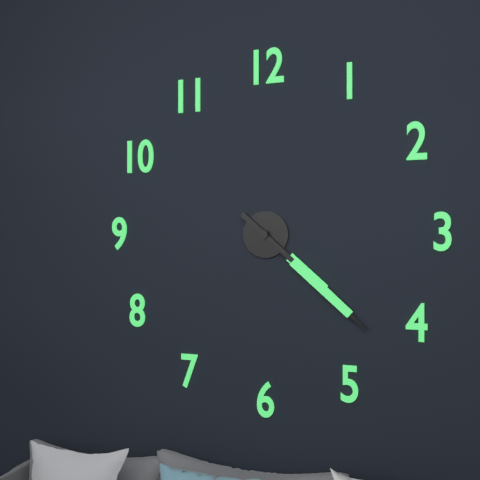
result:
{"hour": 4, "minute": 22}
